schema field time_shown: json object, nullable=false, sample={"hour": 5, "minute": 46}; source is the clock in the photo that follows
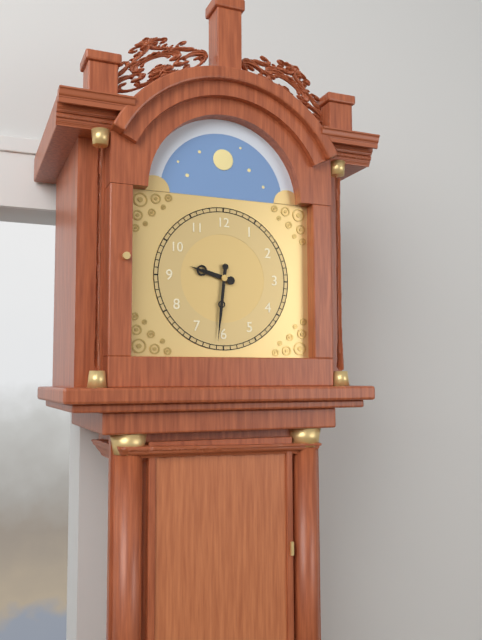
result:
{"hour": 9, "minute": 31}
